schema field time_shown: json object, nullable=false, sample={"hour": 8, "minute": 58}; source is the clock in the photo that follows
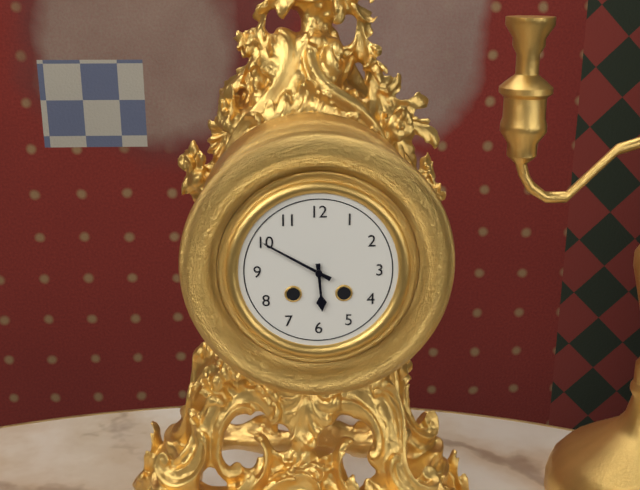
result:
{"hour": 5, "minute": 50}
